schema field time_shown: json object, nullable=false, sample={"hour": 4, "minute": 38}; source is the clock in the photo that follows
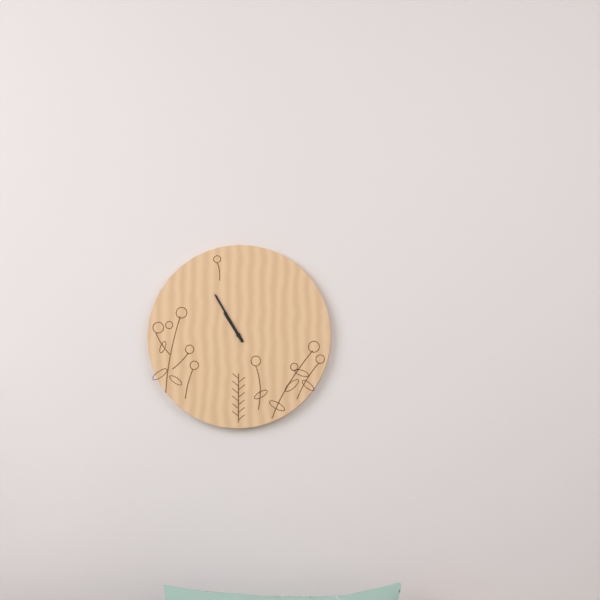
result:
{"hour": 10, "minute": 55}
